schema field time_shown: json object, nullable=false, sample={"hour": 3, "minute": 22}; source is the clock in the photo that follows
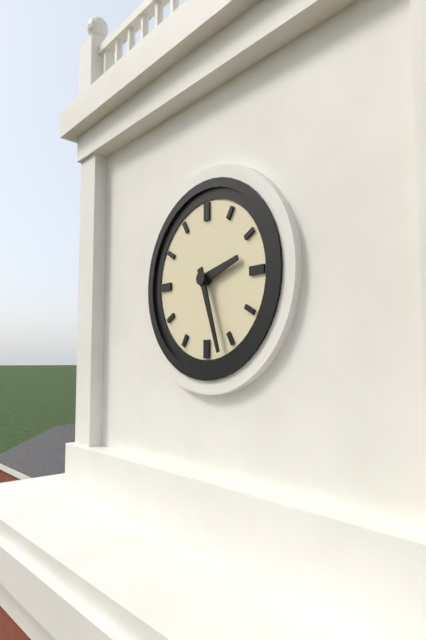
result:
{"hour": 2, "minute": 27}
